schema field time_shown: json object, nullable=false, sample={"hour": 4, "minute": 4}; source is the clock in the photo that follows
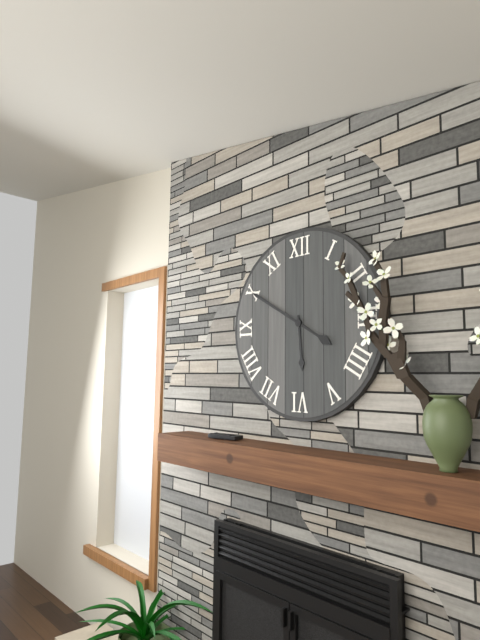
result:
{"hour": 5, "minute": 50}
